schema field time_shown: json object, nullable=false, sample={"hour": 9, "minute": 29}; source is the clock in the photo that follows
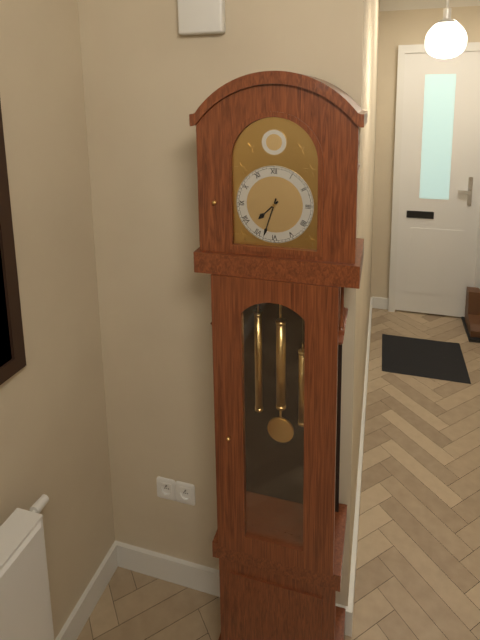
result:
{"hour": 7, "minute": 33}
